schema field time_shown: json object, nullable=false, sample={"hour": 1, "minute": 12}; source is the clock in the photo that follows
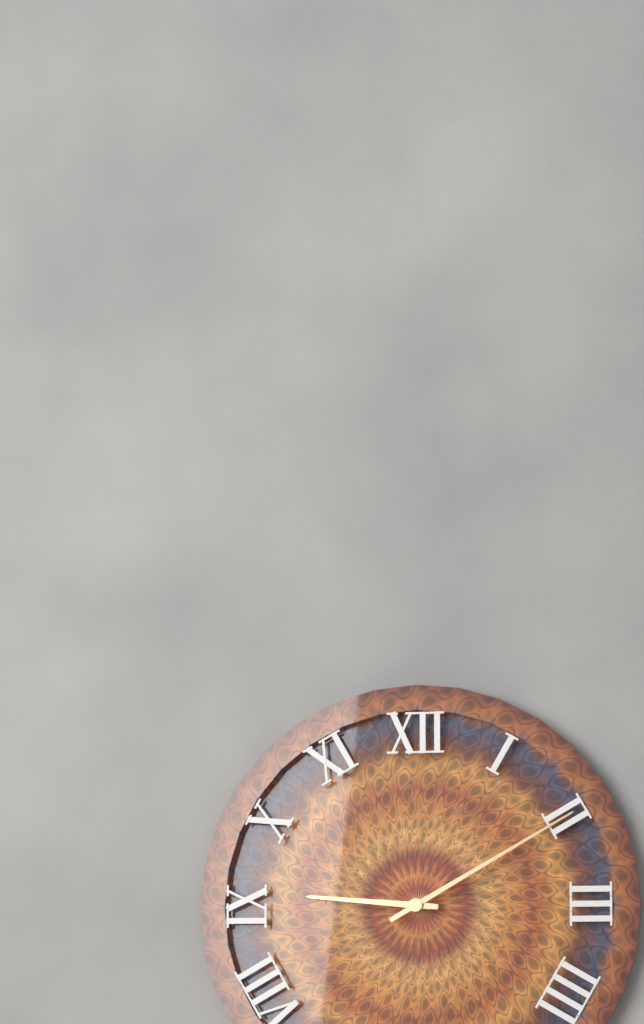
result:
{"hour": 9, "minute": 10}
